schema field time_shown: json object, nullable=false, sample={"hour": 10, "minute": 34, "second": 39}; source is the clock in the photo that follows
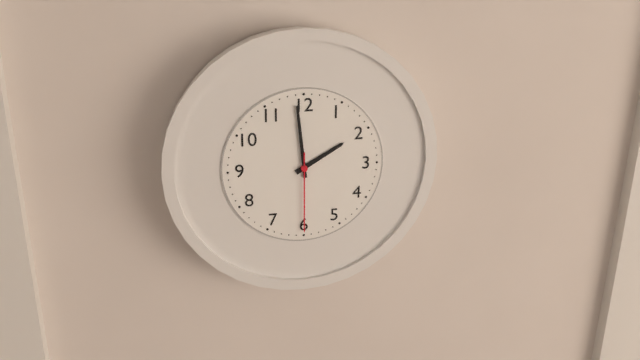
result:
{"hour": 1, "minute": 59, "second": 30}
